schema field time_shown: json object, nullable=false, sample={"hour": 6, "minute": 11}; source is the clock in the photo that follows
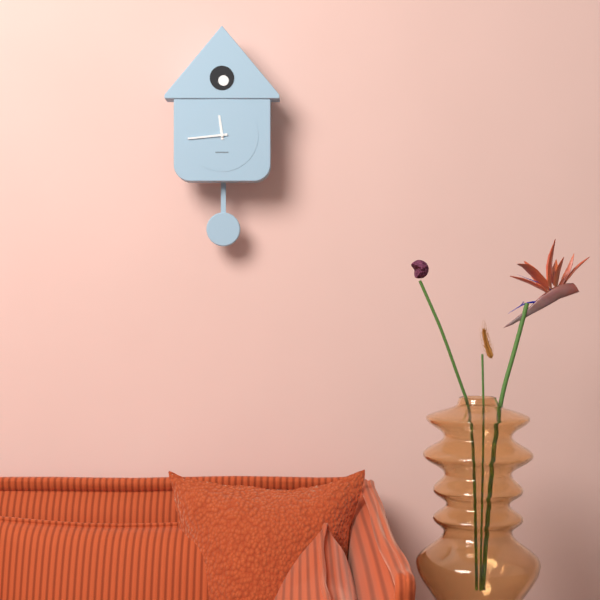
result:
{"hour": 11, "minute": 44}
